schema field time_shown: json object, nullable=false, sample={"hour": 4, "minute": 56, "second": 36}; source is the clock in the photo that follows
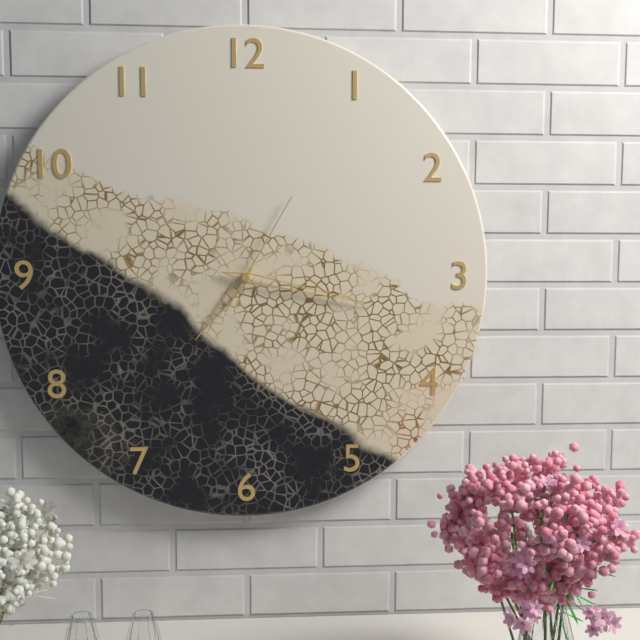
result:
{"hour": 7, "minute": 17, "second": 5}
